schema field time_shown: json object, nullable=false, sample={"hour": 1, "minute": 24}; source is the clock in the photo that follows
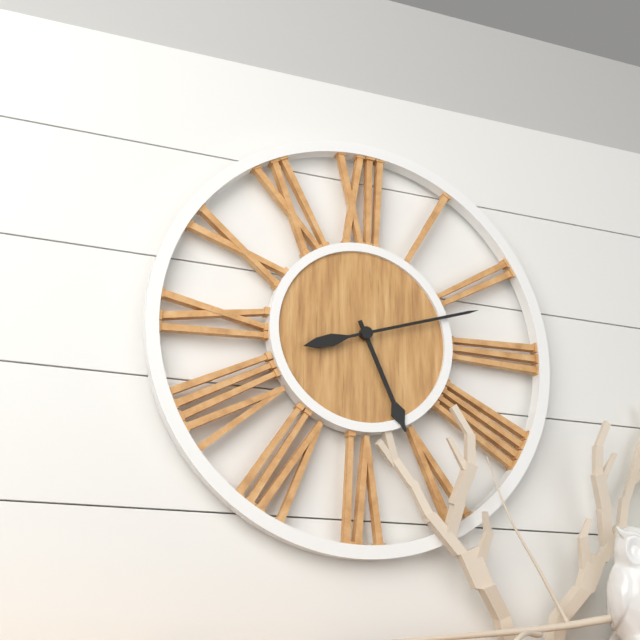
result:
{"hour": 5, "minute": 12}
